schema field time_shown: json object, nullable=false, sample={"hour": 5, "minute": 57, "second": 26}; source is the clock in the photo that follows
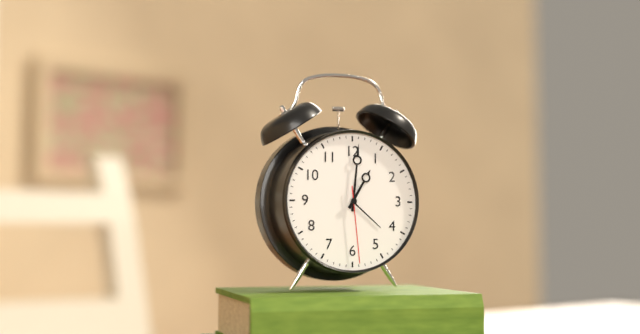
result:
{"hour": 1, "minute": 1, "second": 29}
